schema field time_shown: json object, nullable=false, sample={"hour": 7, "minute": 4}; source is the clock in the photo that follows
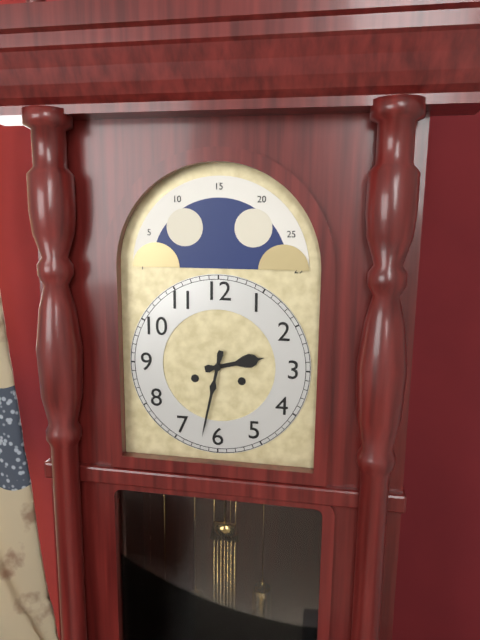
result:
{"hour": 2, "minute": 32}
